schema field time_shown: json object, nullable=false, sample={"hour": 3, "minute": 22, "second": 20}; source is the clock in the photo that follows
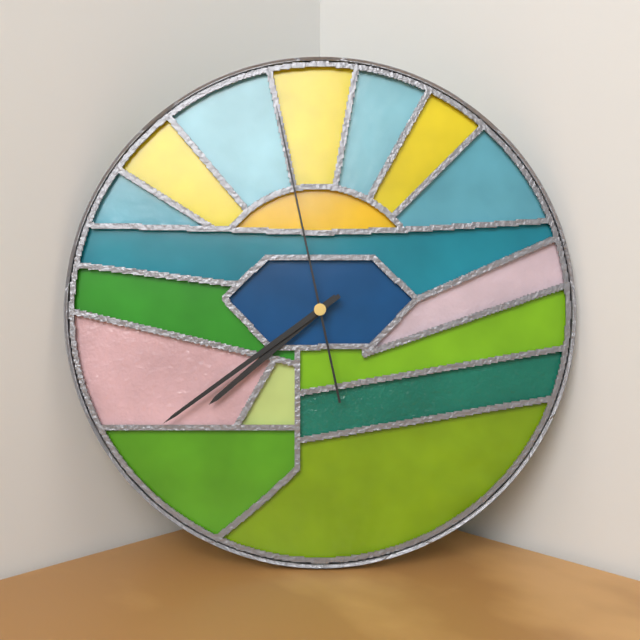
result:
{"hour": 7, "minute": 39, "second": 58}
